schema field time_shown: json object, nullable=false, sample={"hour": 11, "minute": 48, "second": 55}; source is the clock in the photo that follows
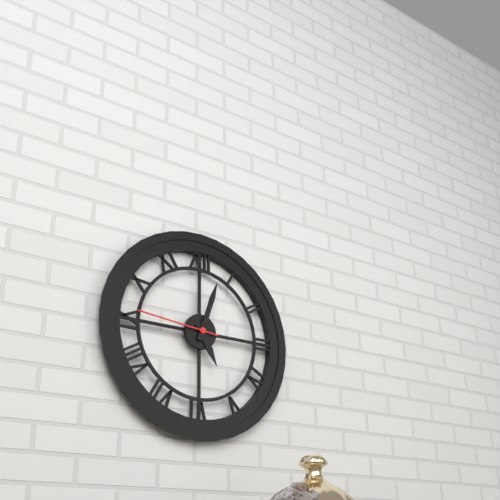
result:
{"hour": 5, "minute": 3, "second": 46}
